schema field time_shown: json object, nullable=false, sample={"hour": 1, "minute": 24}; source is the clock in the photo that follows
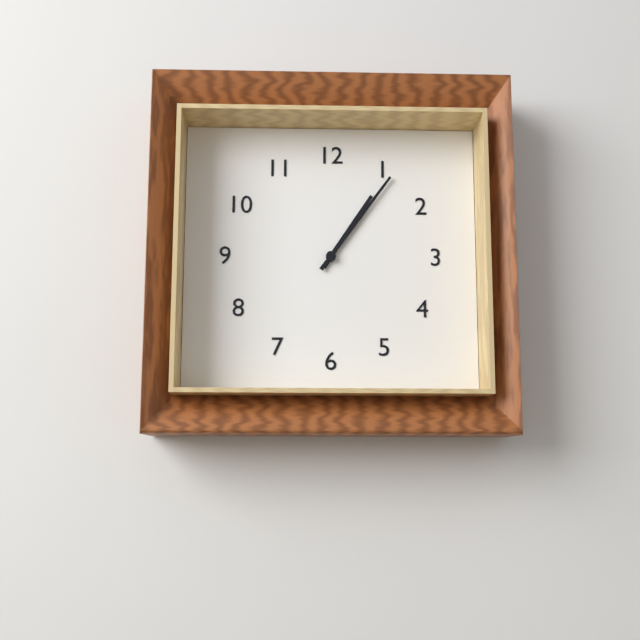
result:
{"hour": 1, "minute": 6}
